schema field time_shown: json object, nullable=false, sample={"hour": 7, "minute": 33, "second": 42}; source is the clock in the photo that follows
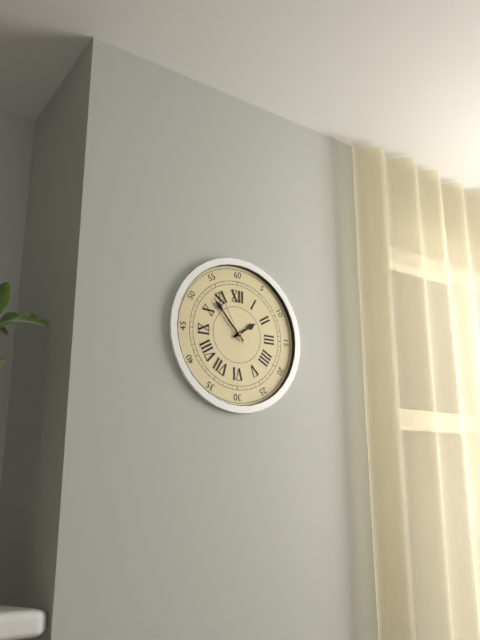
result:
{"hour": 1, "minute": 53, "second": 55}
